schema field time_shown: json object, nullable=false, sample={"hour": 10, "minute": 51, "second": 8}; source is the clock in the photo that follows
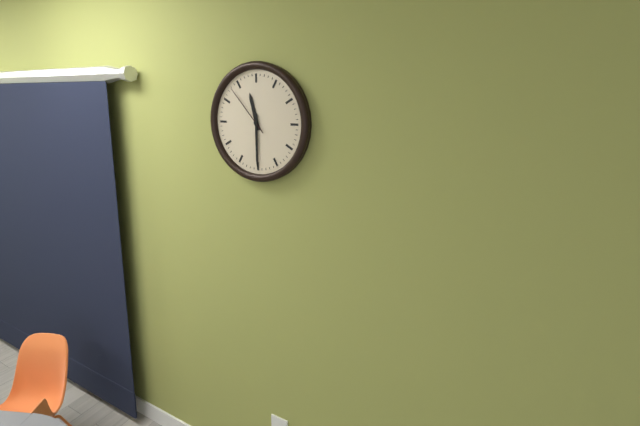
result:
{"hour": 11, "minute": 30, "second": 53}
